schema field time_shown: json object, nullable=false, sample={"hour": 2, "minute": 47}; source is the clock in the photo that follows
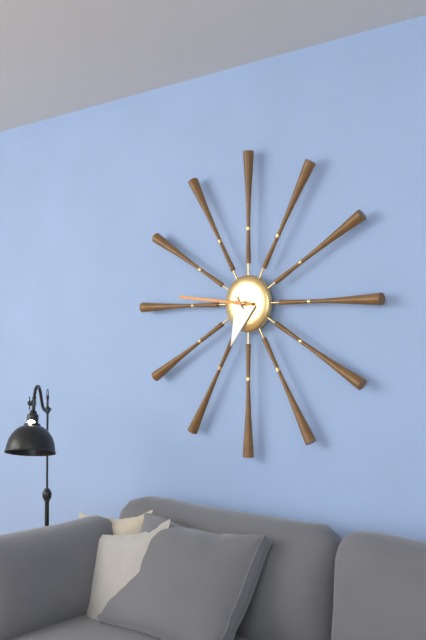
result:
{"hour": 6, "minute": 46}
